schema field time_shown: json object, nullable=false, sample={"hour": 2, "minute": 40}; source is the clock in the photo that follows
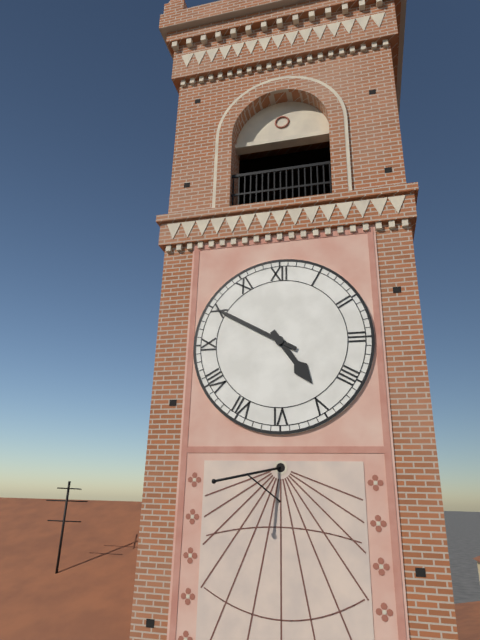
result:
{"hour": 4, "minute": 50}
